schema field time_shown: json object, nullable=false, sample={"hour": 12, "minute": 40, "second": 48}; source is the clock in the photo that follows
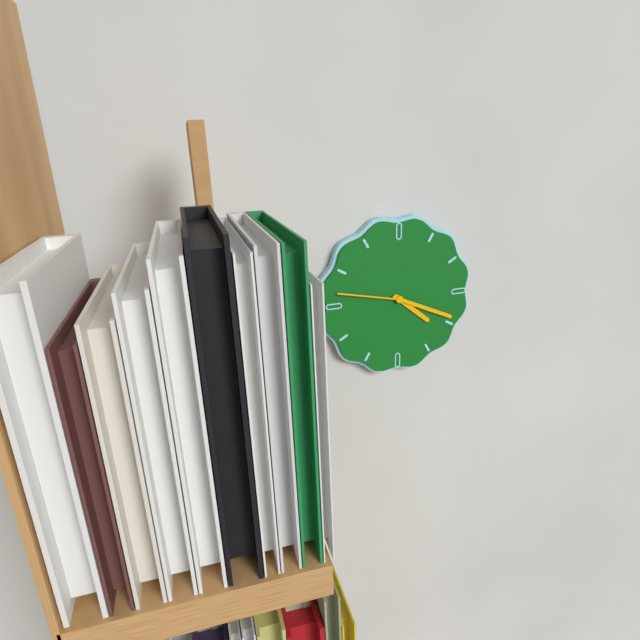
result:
{"hour": 4, "minute": 19, "second": 47}
